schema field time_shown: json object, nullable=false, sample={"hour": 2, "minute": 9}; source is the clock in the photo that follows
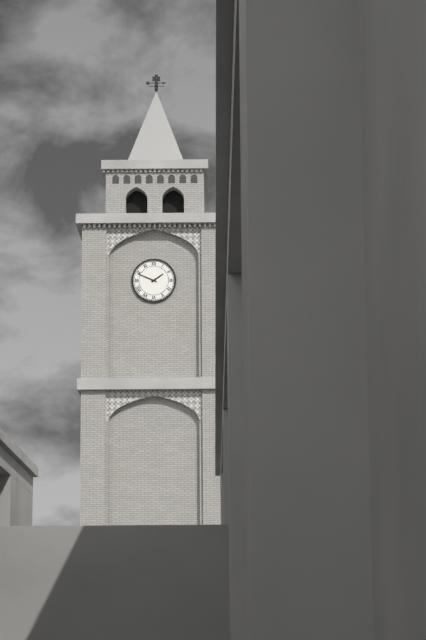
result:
{"hour": 1, "minute": 49}
